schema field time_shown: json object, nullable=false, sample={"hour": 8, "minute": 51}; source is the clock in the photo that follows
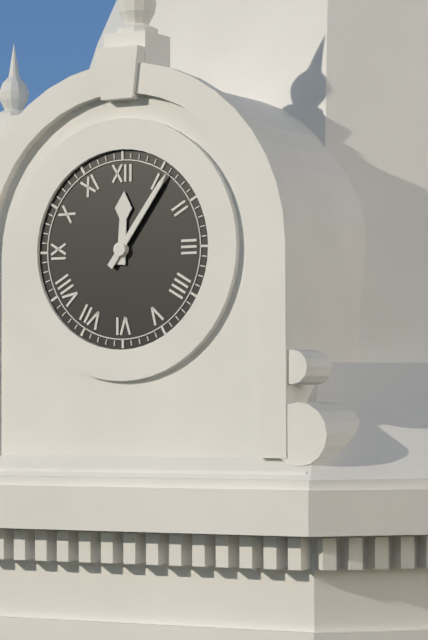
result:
{"hour": 12, "minute": 6}
